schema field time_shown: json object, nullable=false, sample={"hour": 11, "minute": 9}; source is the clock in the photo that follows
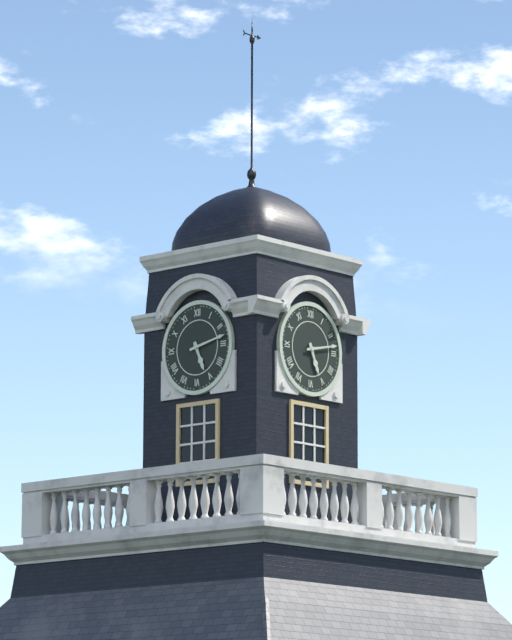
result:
{"hour": 5, "minute": 13}
